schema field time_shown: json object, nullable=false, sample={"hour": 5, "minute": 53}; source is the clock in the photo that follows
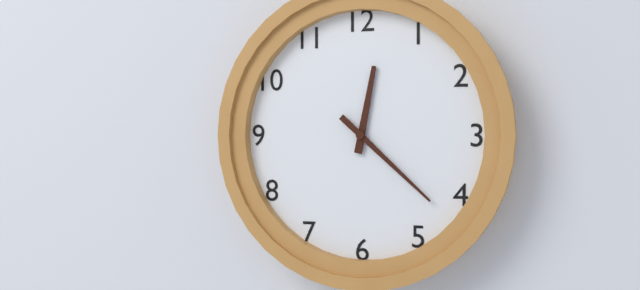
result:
{"hour": 12, "minute": 22}
